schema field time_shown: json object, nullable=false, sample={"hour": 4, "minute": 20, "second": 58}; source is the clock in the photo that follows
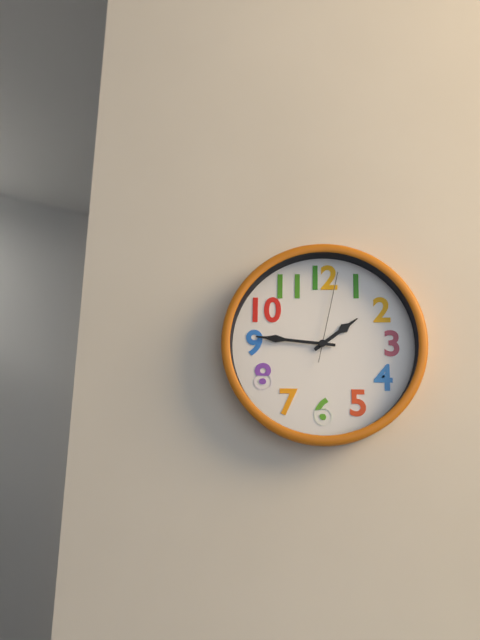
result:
{"hour": 1, "minute": 46, "second": 2}
